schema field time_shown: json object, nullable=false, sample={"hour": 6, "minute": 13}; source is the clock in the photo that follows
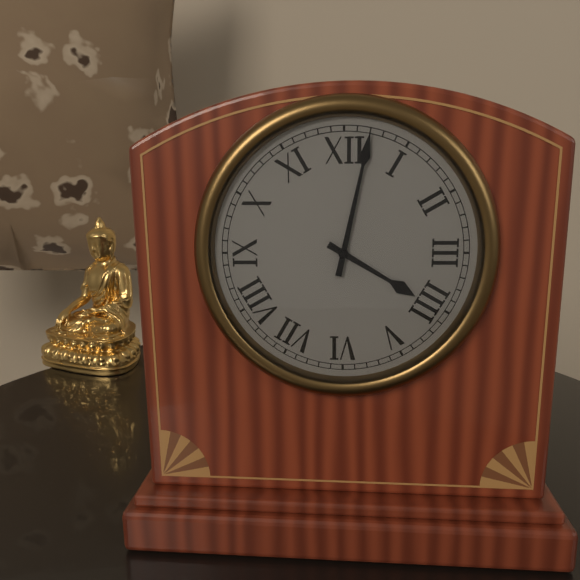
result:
{"hour": 4, "minute": 2}
